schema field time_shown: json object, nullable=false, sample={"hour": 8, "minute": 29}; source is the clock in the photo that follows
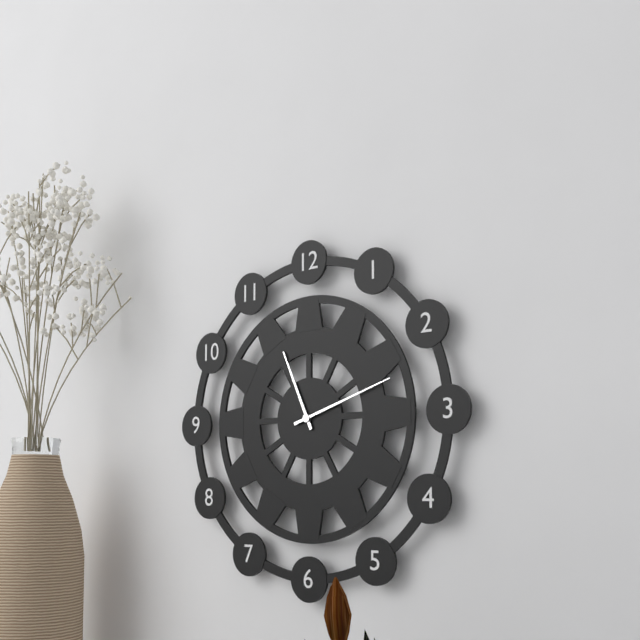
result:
{"hour": 11, "minute": 12}
